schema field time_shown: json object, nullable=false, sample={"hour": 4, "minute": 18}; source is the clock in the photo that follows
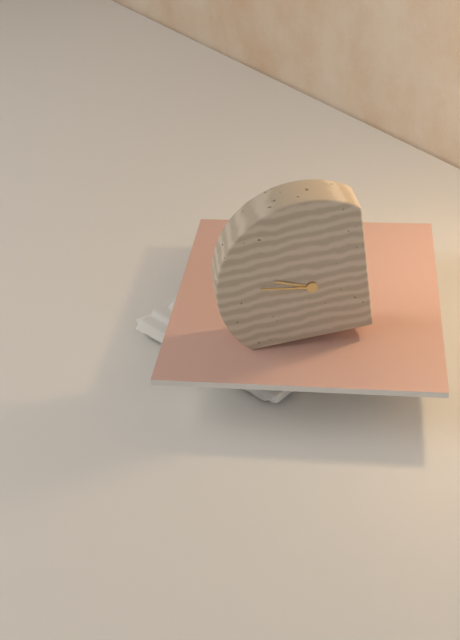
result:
{"hour": 9, "minute": 47}
